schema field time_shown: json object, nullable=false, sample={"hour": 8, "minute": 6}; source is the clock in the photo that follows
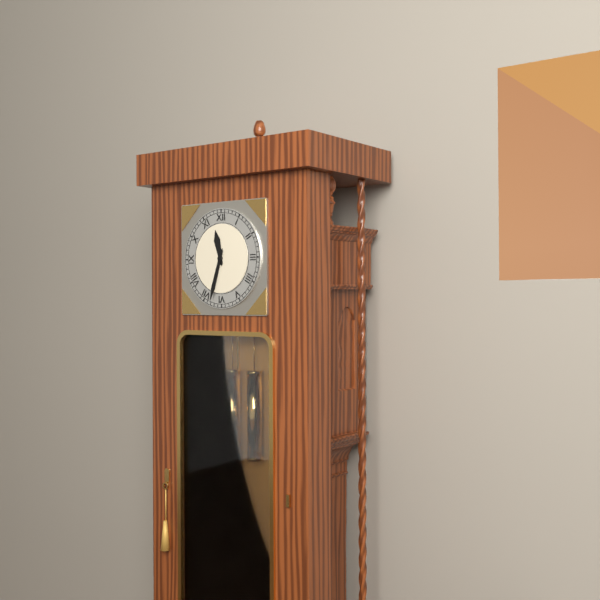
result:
{"hour": 11, "minute": 33}
